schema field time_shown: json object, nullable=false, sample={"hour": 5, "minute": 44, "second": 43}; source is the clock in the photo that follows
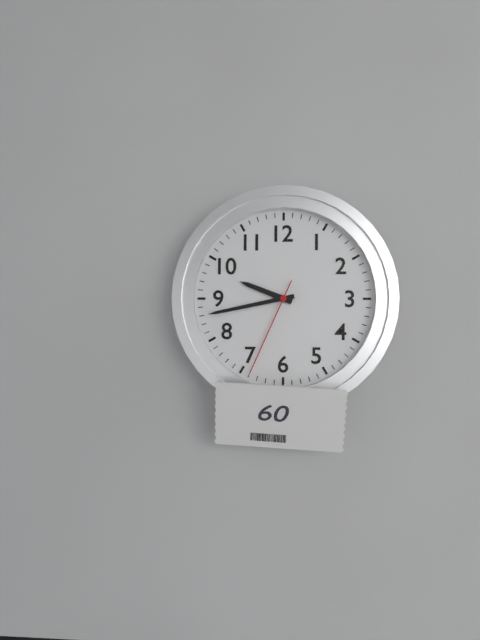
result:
{"hour": 9, "minute": 43, "second": 34}
